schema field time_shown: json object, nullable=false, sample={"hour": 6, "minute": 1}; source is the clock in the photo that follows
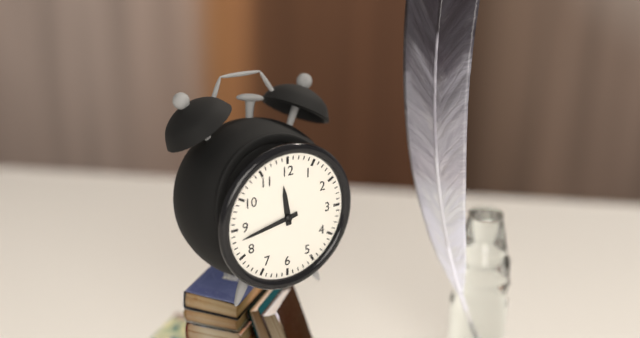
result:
{"hour": 11, "minute": 43}
